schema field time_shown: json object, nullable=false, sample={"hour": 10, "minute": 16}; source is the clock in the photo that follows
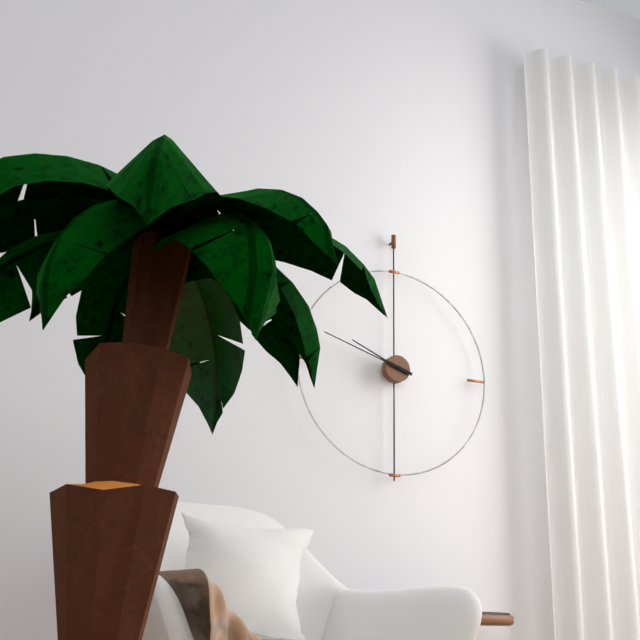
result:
{"hour": 9, "minute": 48}
